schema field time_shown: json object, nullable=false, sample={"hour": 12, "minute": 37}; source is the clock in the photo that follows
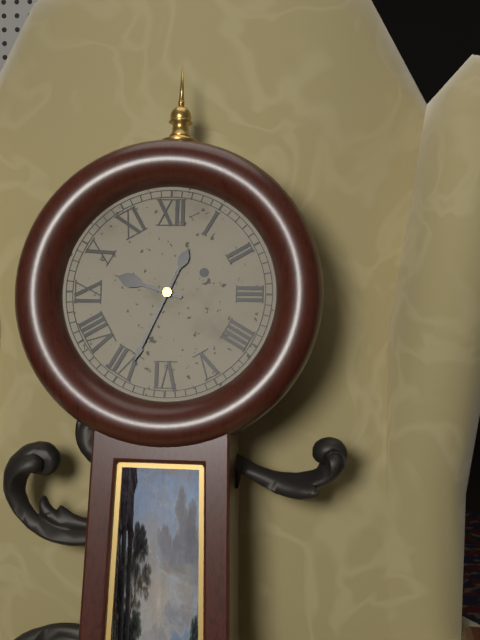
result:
{"hour": 9, "minute": 34}
